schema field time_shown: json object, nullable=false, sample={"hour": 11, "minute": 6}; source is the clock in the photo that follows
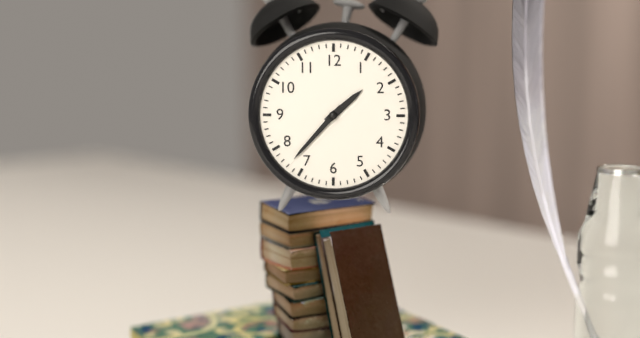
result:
{"hour": 1, "minute": 37}
